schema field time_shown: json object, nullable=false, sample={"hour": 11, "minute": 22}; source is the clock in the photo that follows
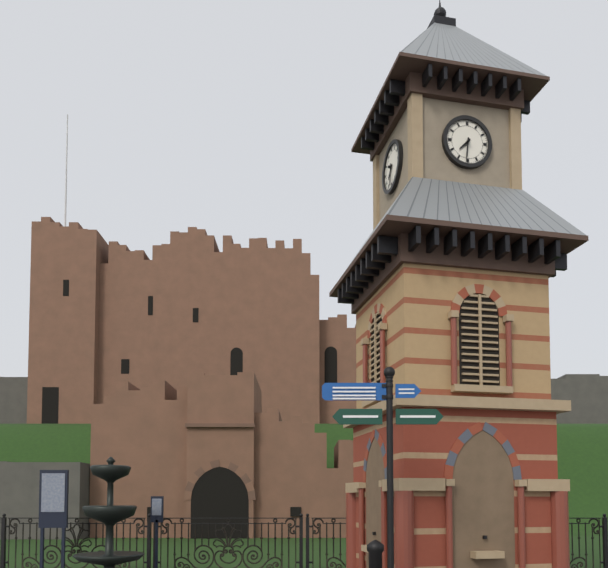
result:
{"hour": 7, "minute": 31}
